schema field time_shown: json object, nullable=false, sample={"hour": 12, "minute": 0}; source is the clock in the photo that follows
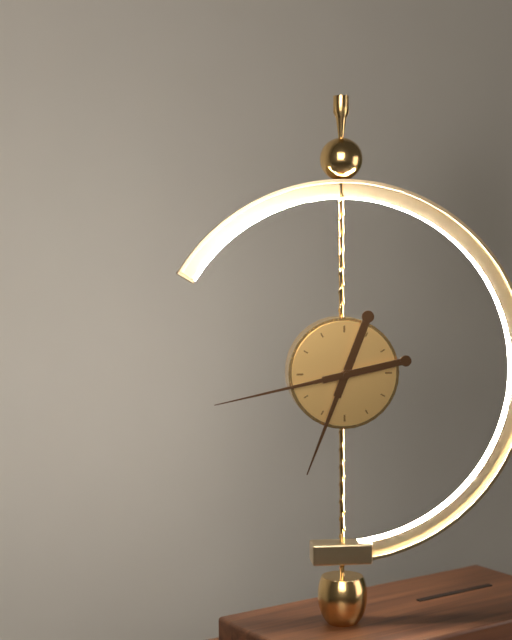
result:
{"hour": 6, "minute": 43}
